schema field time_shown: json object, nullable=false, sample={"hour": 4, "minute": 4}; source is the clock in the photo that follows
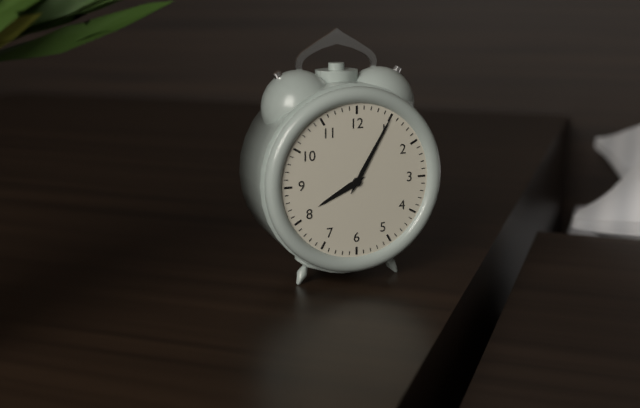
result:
{"hour": 8, "minute": 5}
